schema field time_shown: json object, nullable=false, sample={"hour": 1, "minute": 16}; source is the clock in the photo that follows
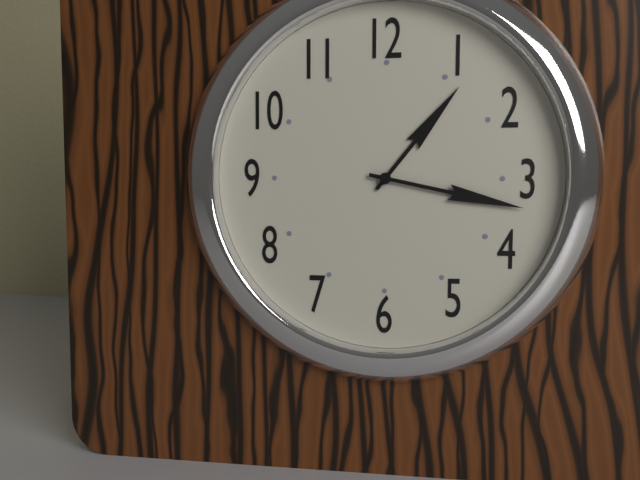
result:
{"hour": 1, "minute": 17}
